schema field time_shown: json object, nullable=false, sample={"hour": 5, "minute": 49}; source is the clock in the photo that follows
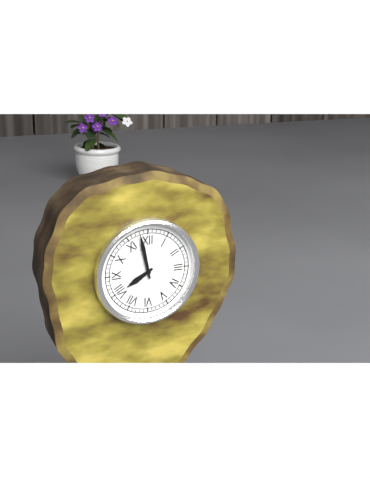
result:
{"hour": 7, "minute": 58}
